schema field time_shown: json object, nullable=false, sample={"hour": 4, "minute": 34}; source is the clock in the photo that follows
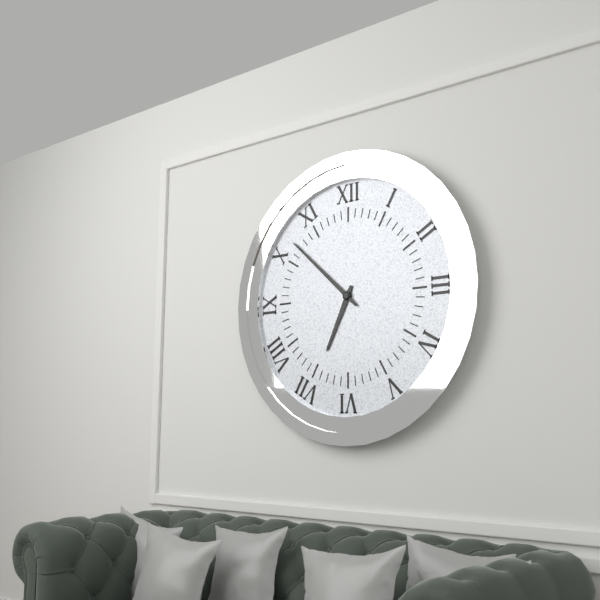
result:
{"hour": 6, "minute": 52}
